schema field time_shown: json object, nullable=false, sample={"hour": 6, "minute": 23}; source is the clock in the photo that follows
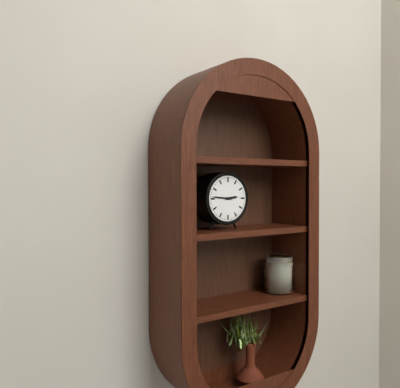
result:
{"hour": 2, "minute": 46}
